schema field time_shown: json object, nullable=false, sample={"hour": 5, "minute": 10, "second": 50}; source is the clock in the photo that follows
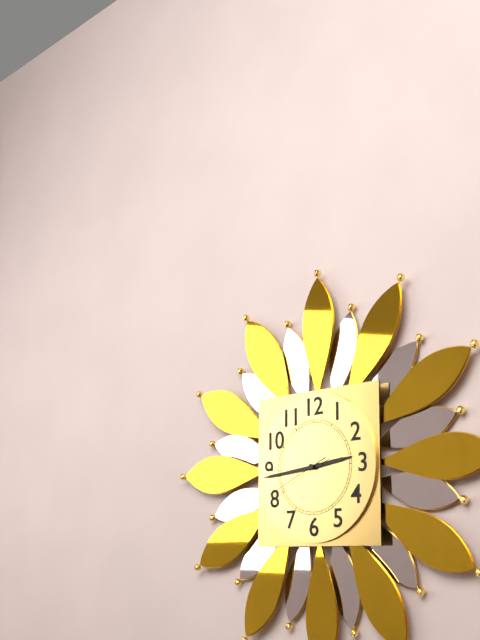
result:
{"hour": 2, "minute": 44, "second": 41}
